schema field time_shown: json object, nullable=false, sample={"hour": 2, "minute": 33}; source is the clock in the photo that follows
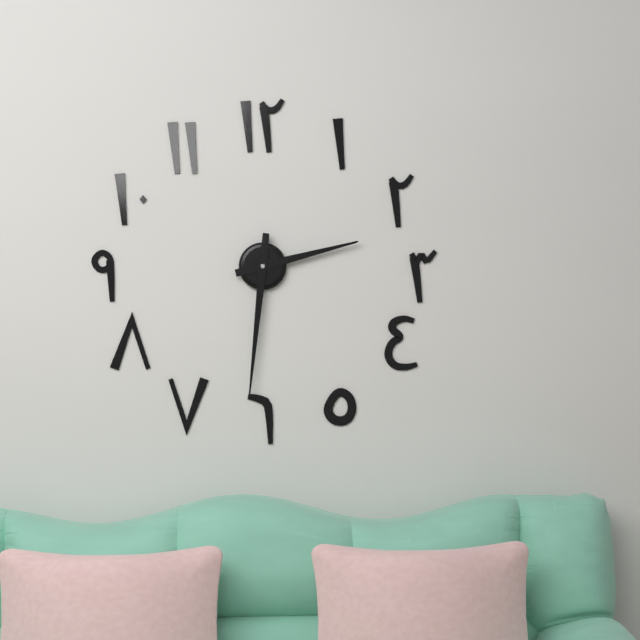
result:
{"hour": 2, "minute": 31}
